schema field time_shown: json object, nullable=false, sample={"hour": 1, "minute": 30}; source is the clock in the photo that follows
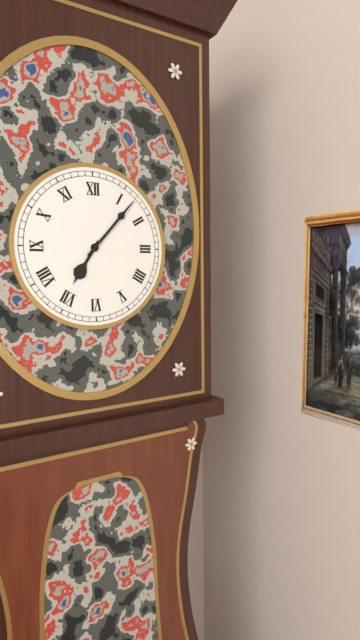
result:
{"hour": 7, "minute": 7}
